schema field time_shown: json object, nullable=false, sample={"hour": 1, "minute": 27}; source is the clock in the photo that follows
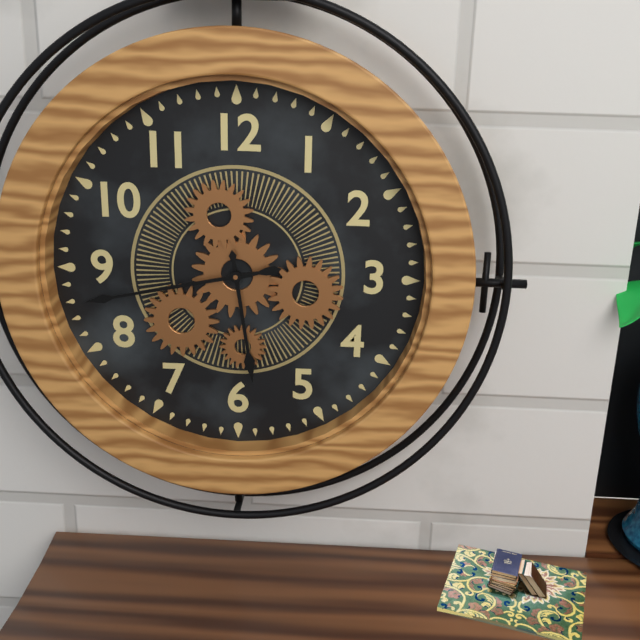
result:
{"hour": 5, "minute": 43}
